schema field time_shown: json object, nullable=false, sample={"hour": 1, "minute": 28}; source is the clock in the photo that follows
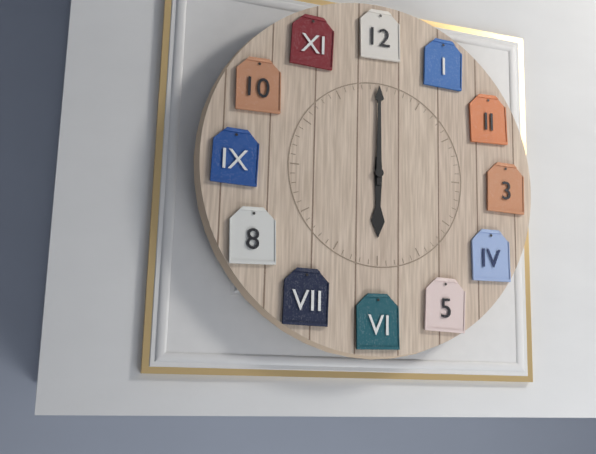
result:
{"hour": 6, "minute": 0}
